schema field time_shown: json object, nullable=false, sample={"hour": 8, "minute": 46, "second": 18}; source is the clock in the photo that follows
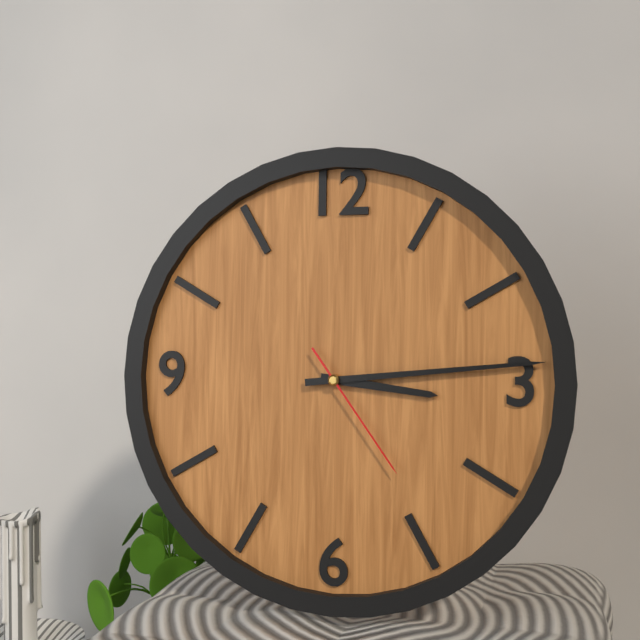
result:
{"hour": 3, "minute": 14, "second": 24}
